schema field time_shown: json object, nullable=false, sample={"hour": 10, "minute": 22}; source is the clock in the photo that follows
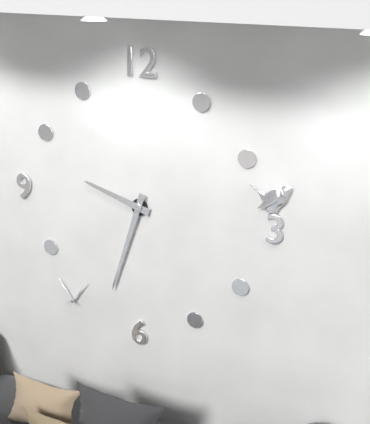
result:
{"hour": 9, "minute": 33}
